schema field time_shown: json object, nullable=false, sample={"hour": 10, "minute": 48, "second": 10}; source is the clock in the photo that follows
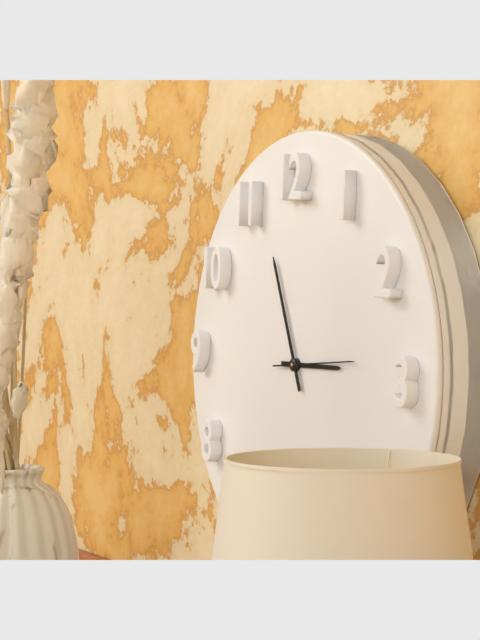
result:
{"hour": 2, "minute": 56, "second": 14}
